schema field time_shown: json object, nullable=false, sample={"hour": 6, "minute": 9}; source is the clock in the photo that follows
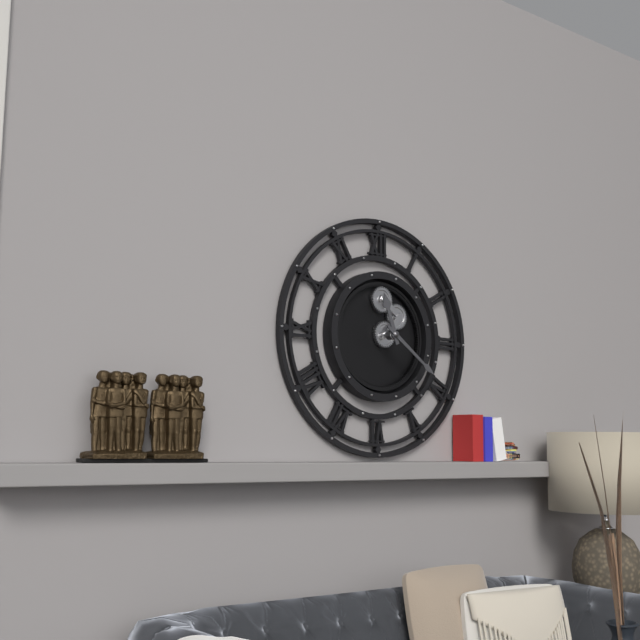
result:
{"hour": 11, "minute": 21}
